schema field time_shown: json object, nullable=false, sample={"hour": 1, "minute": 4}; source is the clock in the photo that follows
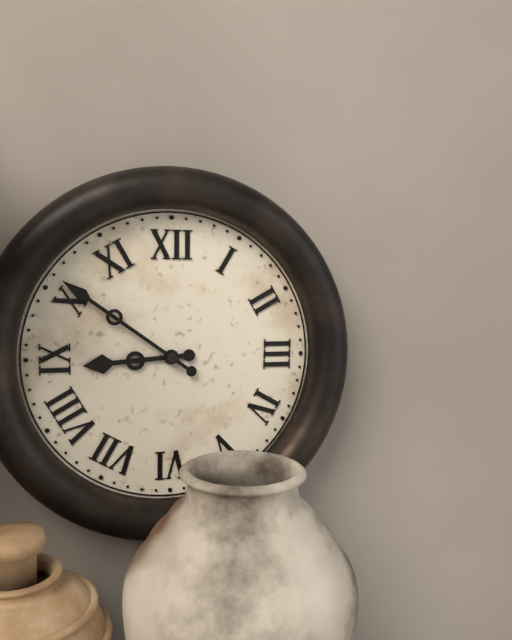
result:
{"hour": 8, "minute": 51}
